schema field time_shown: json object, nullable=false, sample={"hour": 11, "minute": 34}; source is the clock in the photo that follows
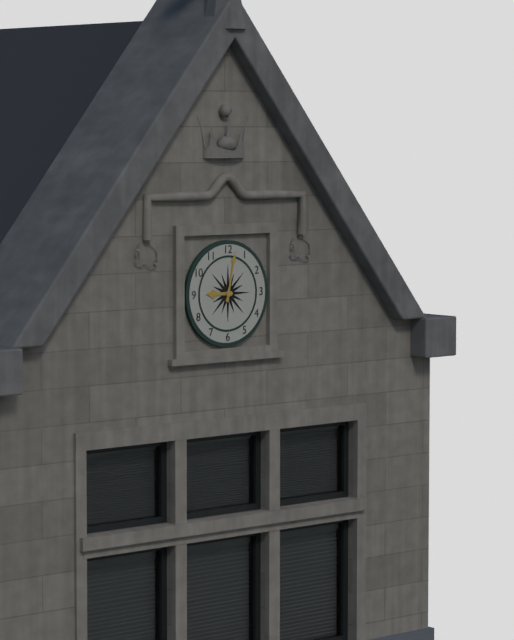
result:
{"hour": 9, "minute": 2}
